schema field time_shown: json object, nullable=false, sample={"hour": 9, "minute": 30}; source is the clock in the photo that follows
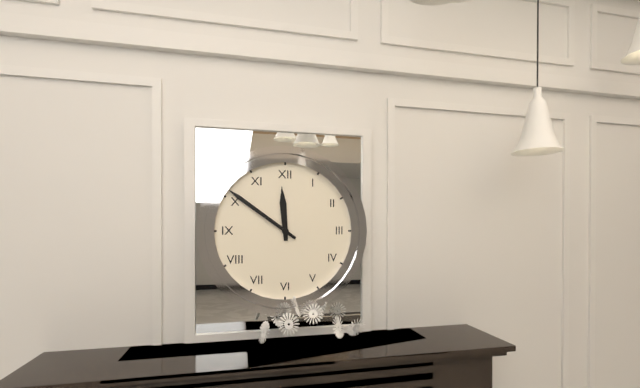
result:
{"hour": 11, "minute": 51}
